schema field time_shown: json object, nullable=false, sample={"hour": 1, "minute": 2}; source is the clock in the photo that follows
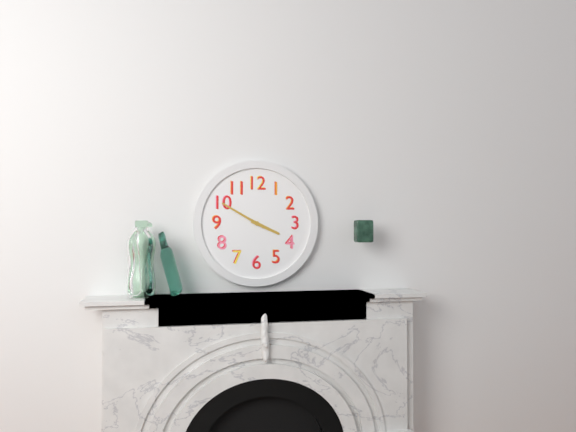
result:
{"hour": 3, "minute": 50}
